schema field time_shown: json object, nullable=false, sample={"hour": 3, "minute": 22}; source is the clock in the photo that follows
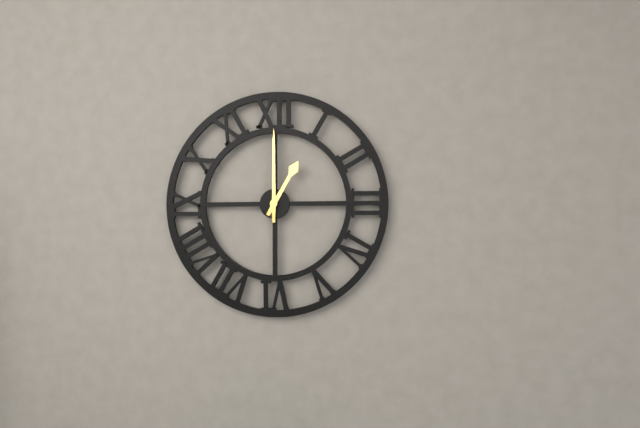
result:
{"hour": 1, "minute": 0}
